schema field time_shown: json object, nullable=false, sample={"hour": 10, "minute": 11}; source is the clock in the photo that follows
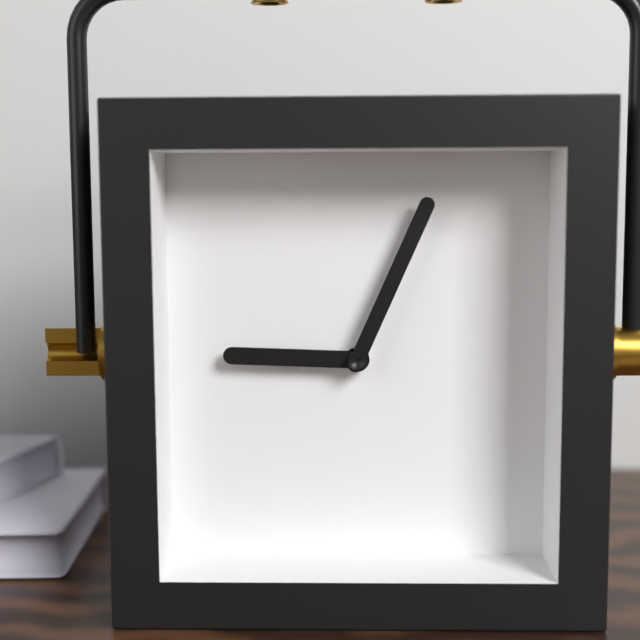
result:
{"hour": 9, "minute": 4}
